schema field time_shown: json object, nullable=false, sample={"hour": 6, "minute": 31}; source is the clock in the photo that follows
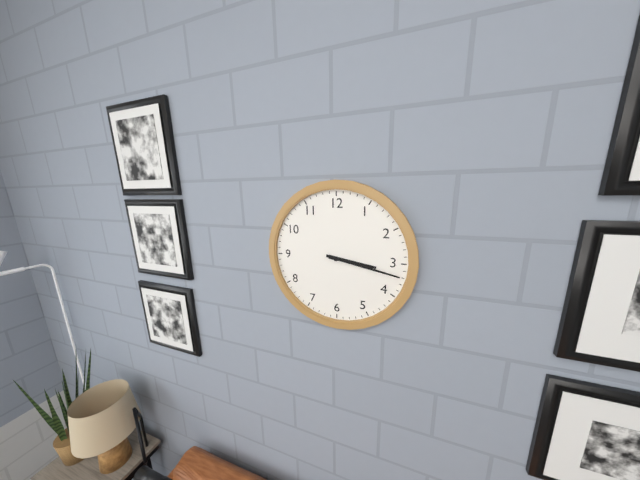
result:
{"hour": 3, "minute": 17}
